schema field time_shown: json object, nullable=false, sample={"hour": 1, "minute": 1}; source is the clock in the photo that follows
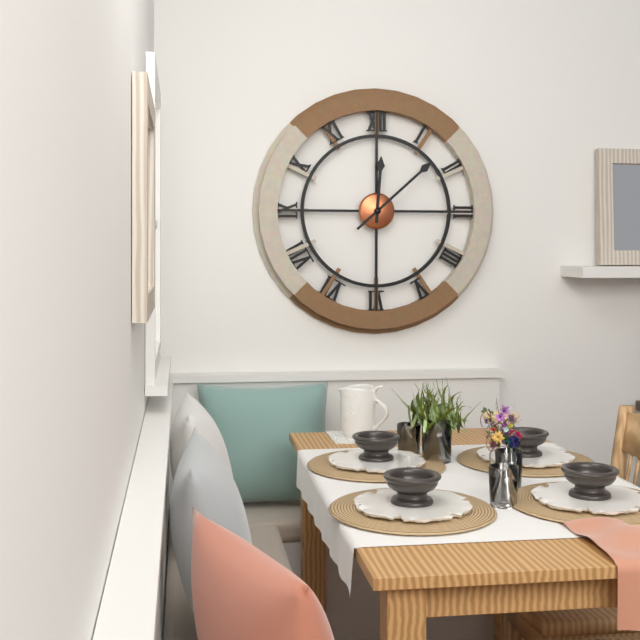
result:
{"hour": 12, "minute": 8}
